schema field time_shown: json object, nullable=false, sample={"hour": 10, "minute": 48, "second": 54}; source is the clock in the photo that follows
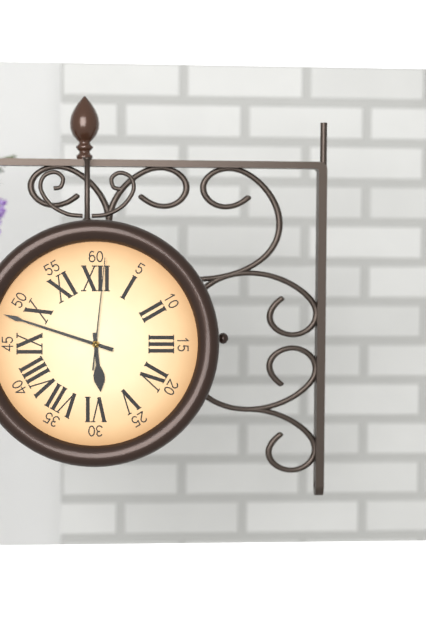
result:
{"hour": 5, "minute": 48, "second": 1}
